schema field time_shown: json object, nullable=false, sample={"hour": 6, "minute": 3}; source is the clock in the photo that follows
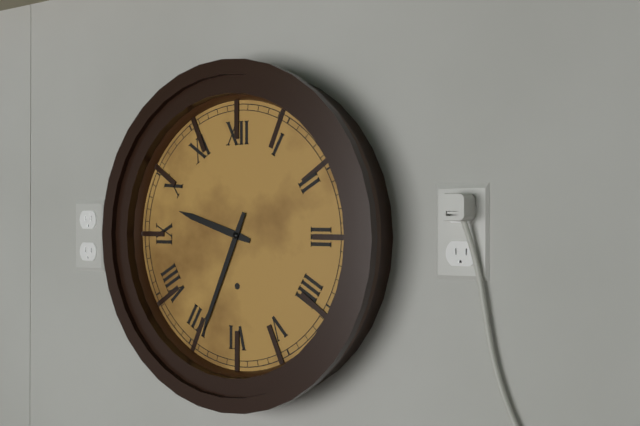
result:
{"hour": 9, "minute": 34}
